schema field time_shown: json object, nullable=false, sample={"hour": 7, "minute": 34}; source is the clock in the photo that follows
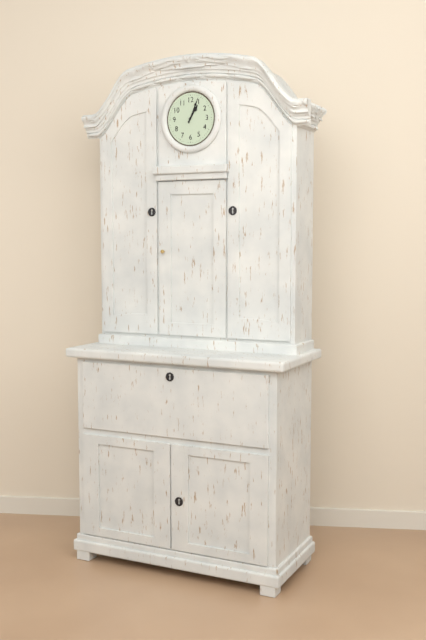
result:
{"hour": 1, "minute": 4}
